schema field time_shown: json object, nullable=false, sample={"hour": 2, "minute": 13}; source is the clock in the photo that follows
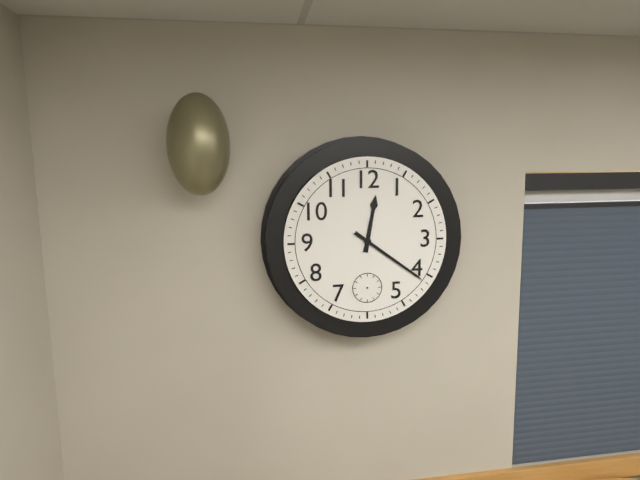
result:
{"hour": 12, "minute": 21}
